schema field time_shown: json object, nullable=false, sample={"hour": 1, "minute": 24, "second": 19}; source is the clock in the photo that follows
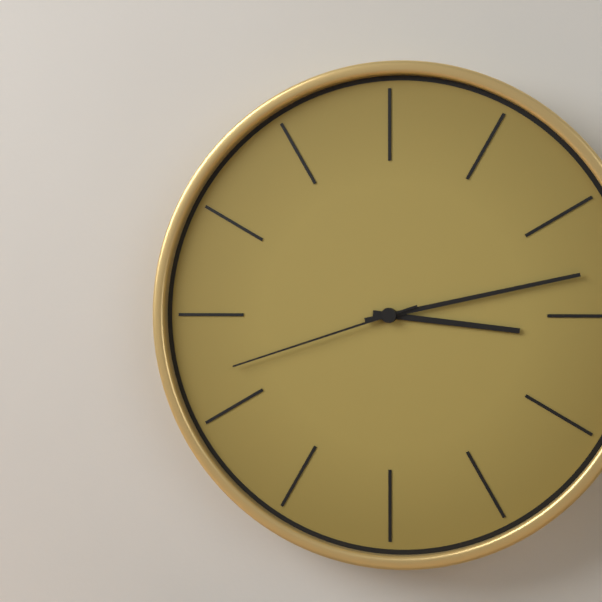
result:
{"hour": 3, "minute": 13, "second": 42}
